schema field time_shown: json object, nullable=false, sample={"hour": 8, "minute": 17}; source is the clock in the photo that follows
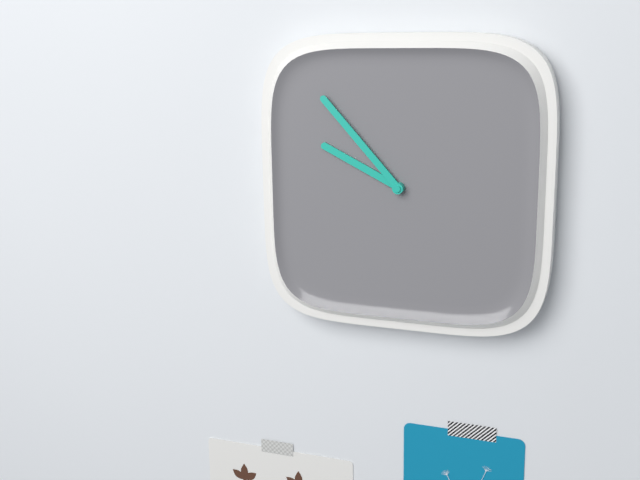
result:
{"hour": 9, "minute": 53}
